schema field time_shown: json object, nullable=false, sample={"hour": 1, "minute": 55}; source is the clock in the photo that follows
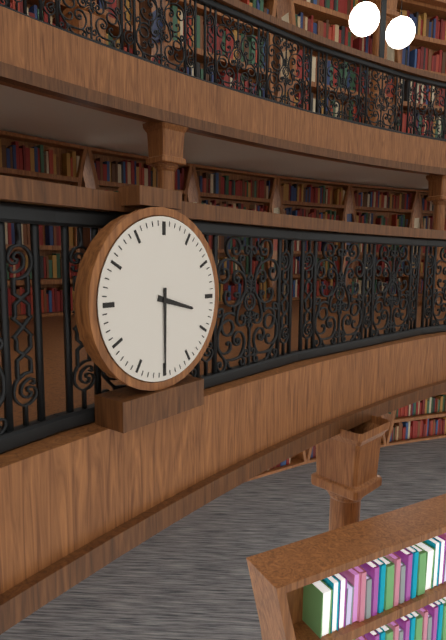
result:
{"hour": 3, "minute": 30}
